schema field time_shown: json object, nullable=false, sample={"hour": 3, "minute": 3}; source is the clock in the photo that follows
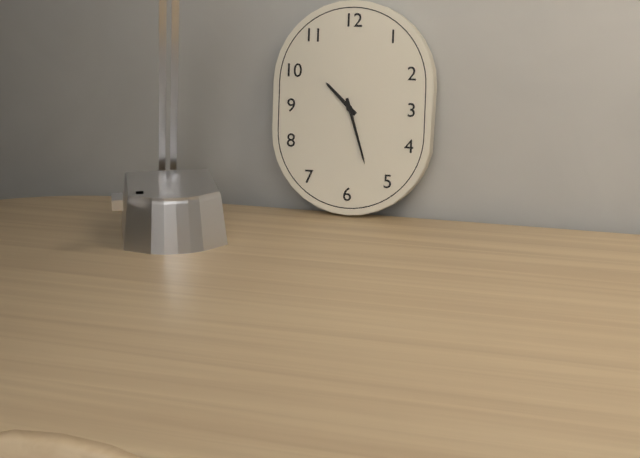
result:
{"hour": 10, "minute": 27}
